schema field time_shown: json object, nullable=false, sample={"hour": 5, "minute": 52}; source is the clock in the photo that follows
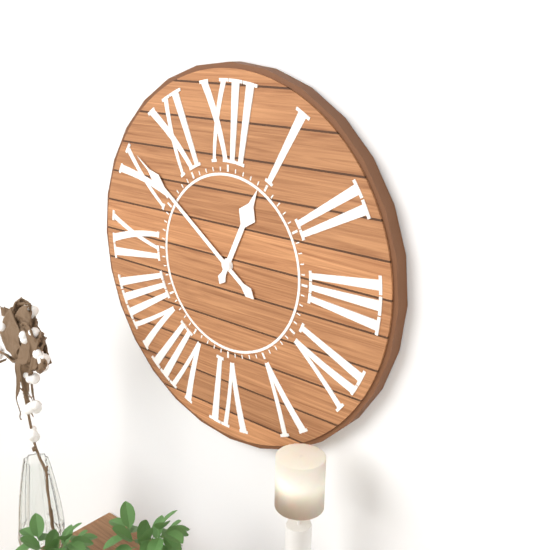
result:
{"hour": 12, "minute": 51}
